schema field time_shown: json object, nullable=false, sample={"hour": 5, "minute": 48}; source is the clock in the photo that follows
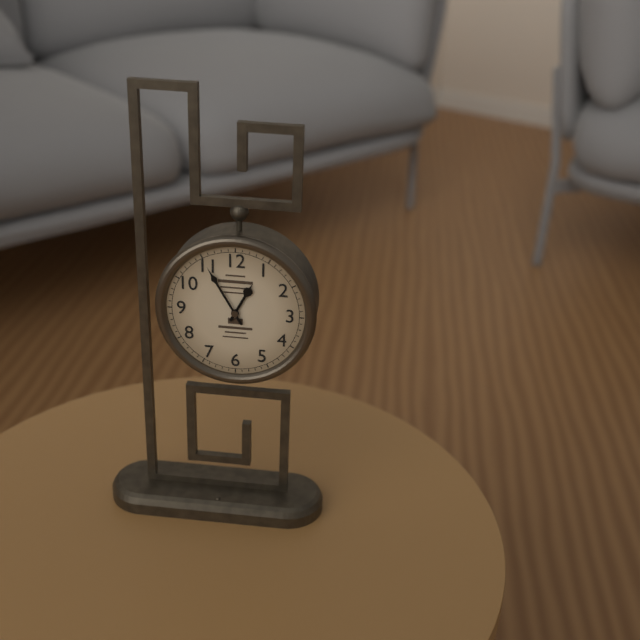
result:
{"hour": 12, "minute": 55}
